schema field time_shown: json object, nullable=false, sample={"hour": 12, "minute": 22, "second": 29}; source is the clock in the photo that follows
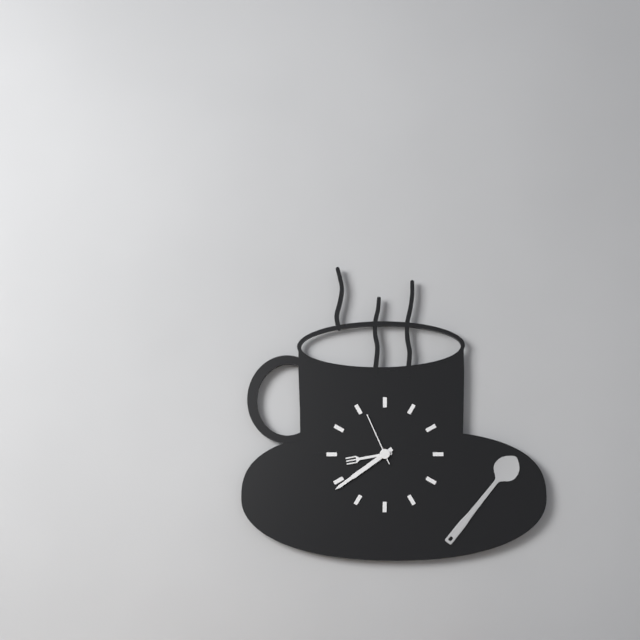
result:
{"hour": 8, "minute": 39, "second": 56}
